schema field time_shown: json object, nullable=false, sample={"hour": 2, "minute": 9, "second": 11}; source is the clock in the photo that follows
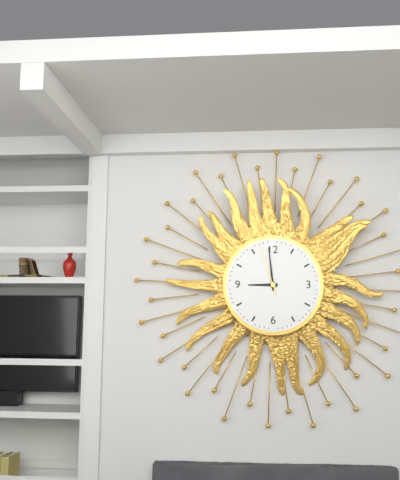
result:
{"hour": 8, "minute": 59, "second": 57}
